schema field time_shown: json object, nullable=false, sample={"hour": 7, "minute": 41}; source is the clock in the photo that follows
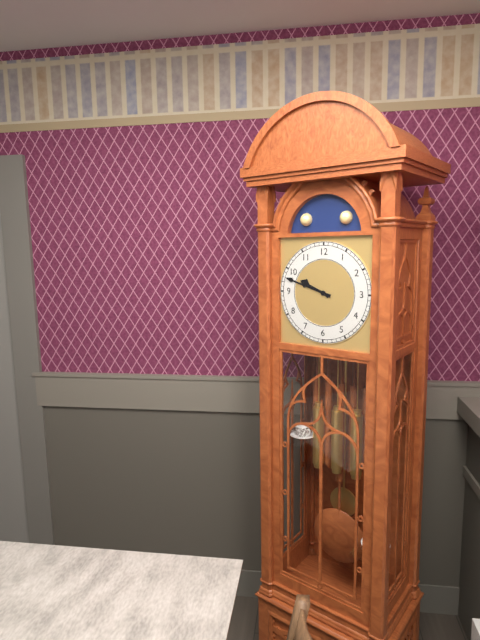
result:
{"hour": 9, "minute": 48}
